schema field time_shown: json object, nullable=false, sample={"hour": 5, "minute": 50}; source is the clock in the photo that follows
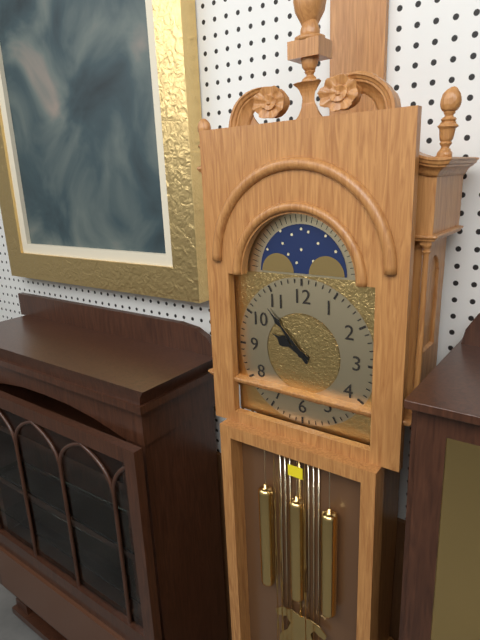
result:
{"hour": 9, "minute": 53}
